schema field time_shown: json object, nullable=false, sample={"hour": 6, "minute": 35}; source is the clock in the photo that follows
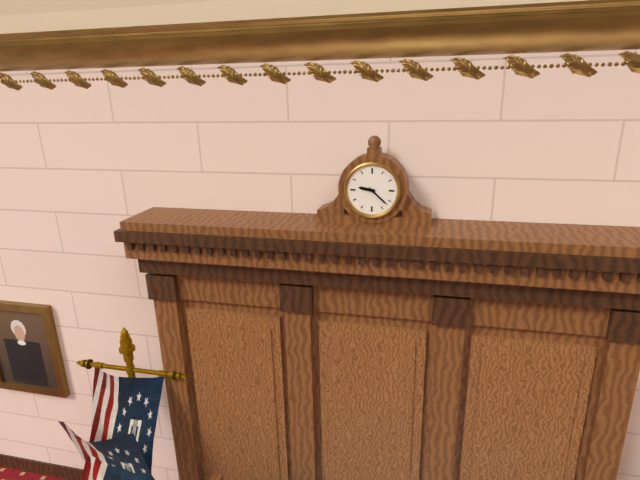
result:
{"hour": 9, "minute": 22}
